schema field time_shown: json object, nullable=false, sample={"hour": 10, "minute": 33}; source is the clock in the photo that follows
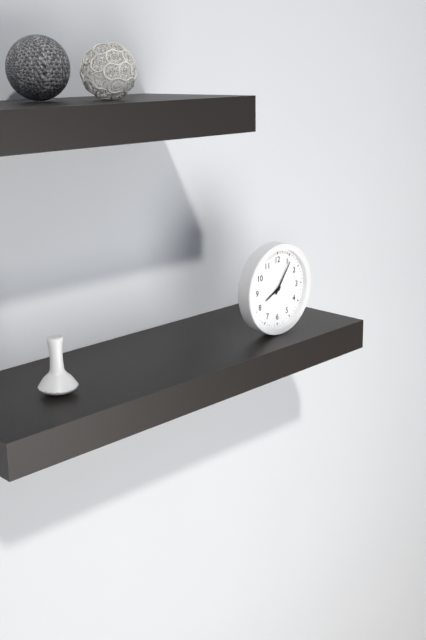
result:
{"hour": 8, "minute": 6}
